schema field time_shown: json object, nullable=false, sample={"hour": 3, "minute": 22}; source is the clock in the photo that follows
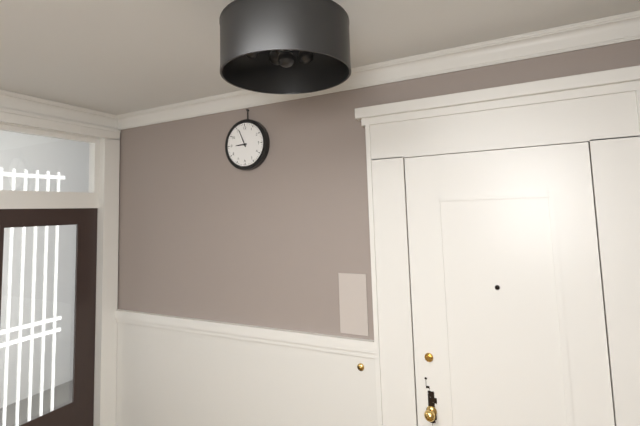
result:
{"hour": 8, "minute": 56}
